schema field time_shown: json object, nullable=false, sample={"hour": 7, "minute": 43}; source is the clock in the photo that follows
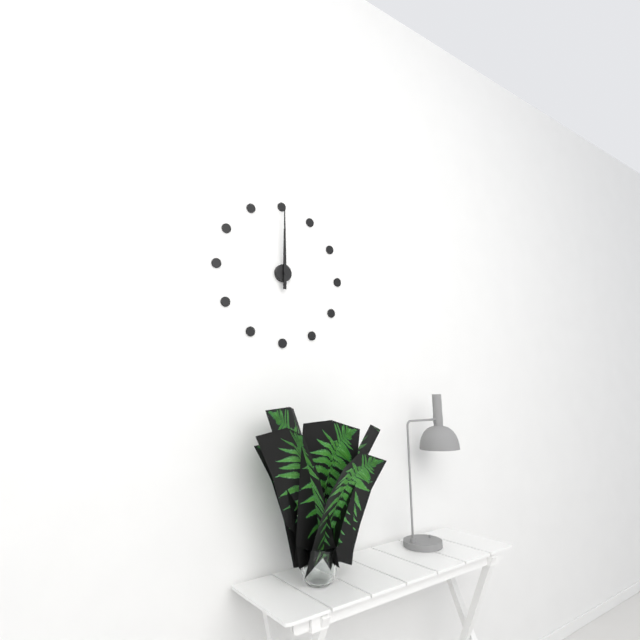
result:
{"hour": 12, "minute": 0}
